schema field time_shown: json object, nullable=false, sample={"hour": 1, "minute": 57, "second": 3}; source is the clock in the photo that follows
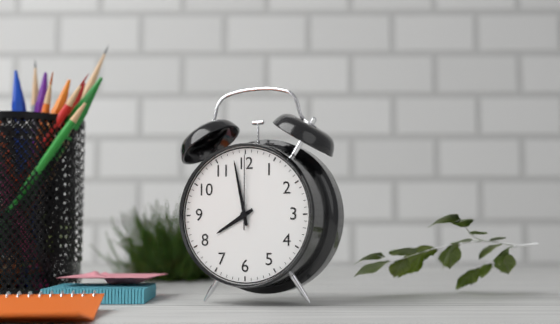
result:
{"hour": 7, "minute": 58, "second": 0}
